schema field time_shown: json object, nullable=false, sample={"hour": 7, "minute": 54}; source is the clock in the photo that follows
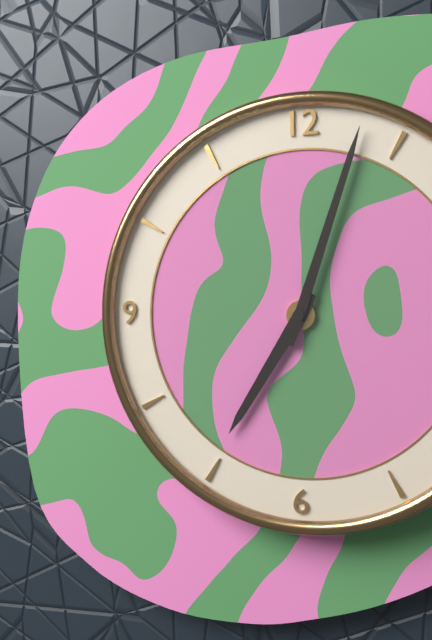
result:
{"hour": 7, "minute": 3}
